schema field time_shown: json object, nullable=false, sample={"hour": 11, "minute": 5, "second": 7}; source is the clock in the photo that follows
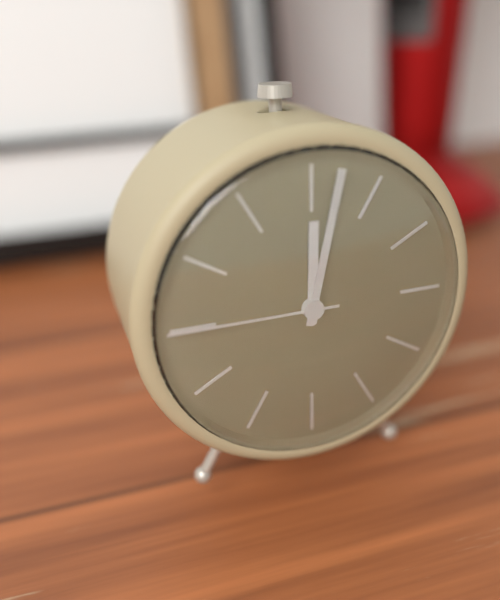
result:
{"hour": 12, "minute": 2, "second": 45}
